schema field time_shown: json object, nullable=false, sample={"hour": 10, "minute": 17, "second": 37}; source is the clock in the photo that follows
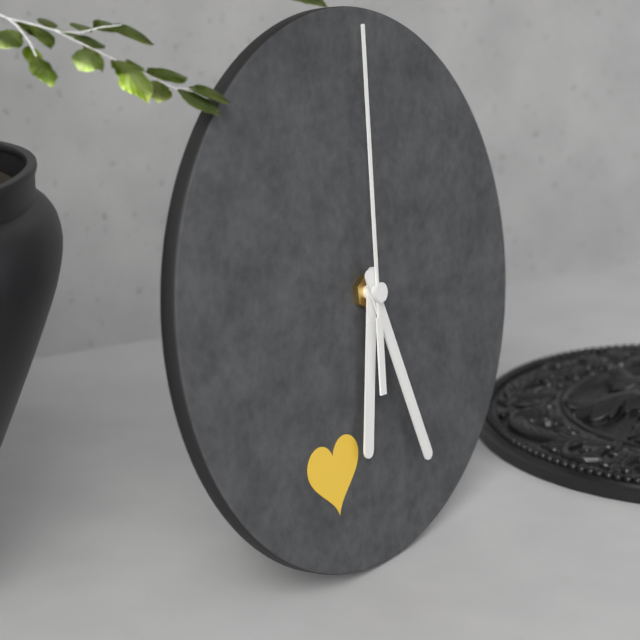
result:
{"hour": 6, "minute": 27, "second": 1}
